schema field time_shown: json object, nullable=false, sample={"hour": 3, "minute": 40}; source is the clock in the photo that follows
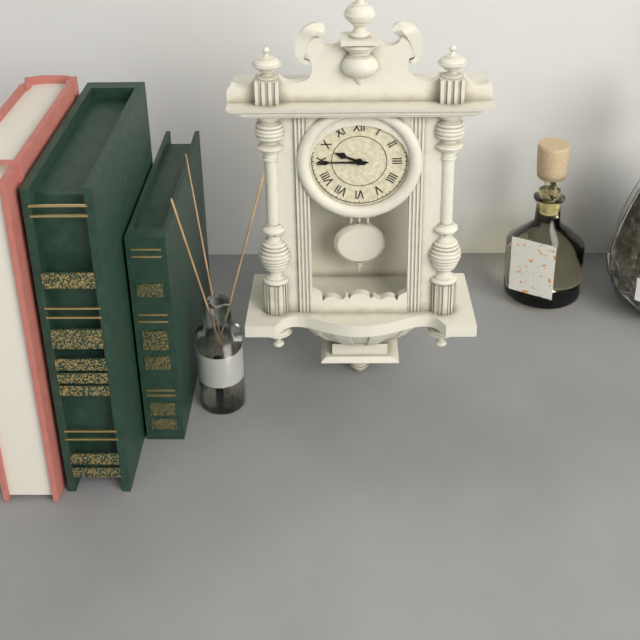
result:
{"hour": 9, "minute": 45}
